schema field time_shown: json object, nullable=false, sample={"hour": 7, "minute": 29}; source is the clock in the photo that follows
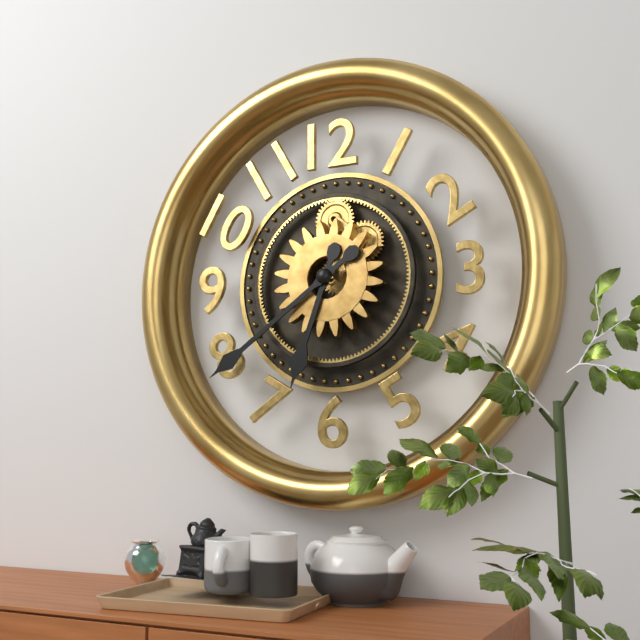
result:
{"hour": 6, "minute": 39}
